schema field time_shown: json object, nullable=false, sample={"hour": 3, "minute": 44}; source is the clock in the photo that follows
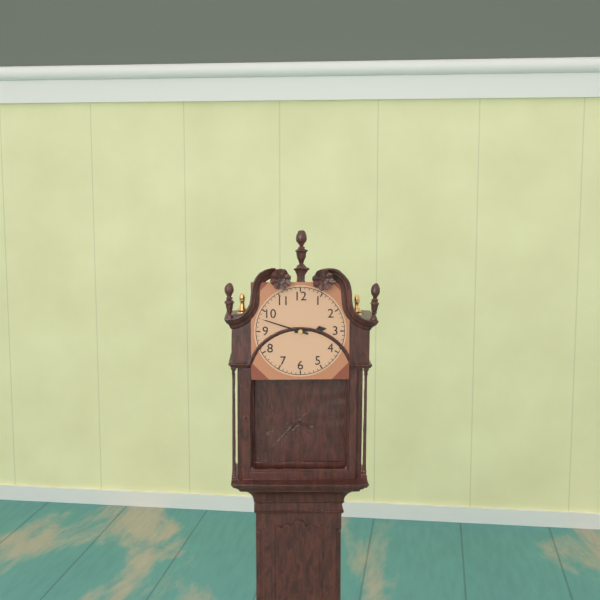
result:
{"hour": 2, "minute": 48}
